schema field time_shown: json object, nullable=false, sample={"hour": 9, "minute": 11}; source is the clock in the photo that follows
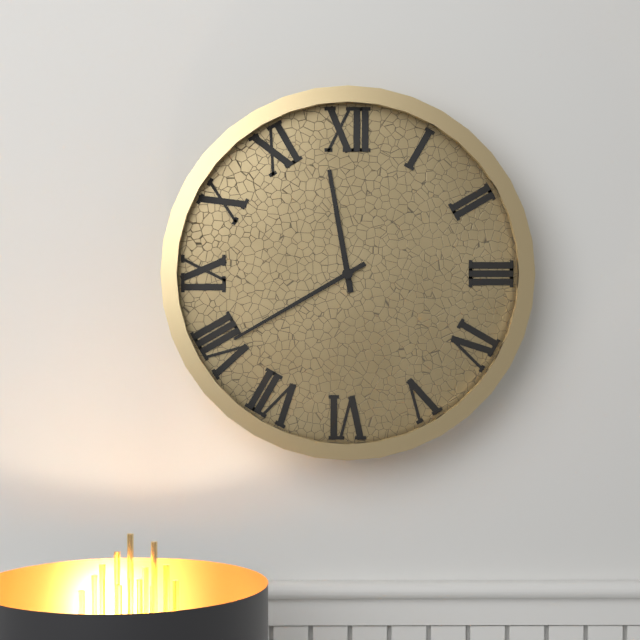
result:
{"hour": 11, "minute": 40}
